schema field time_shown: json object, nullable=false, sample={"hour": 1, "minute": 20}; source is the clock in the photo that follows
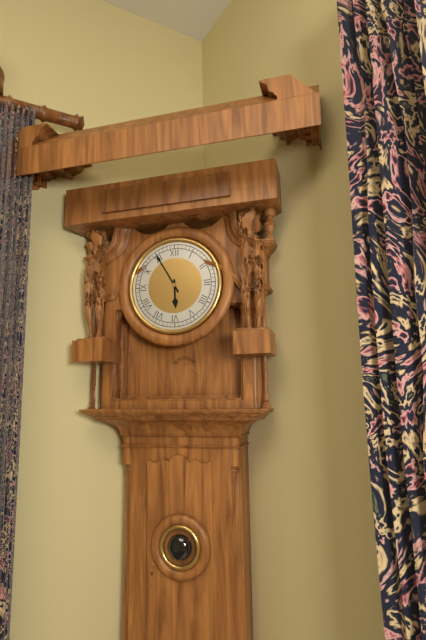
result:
{"hour": 5, "minute": 55}
